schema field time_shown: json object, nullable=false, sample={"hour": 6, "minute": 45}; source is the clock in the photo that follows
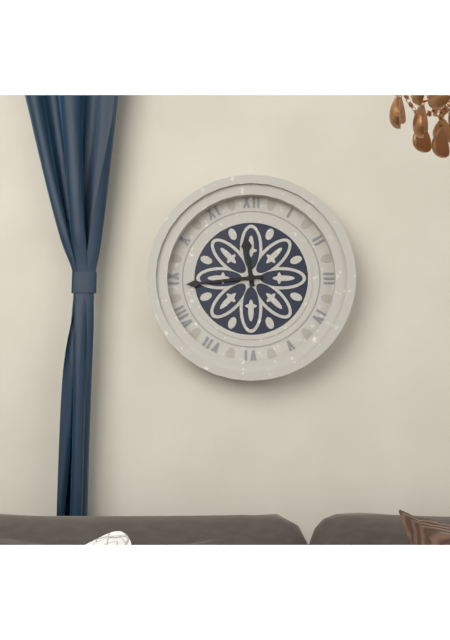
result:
{"hour": 11, "minute": 44}
